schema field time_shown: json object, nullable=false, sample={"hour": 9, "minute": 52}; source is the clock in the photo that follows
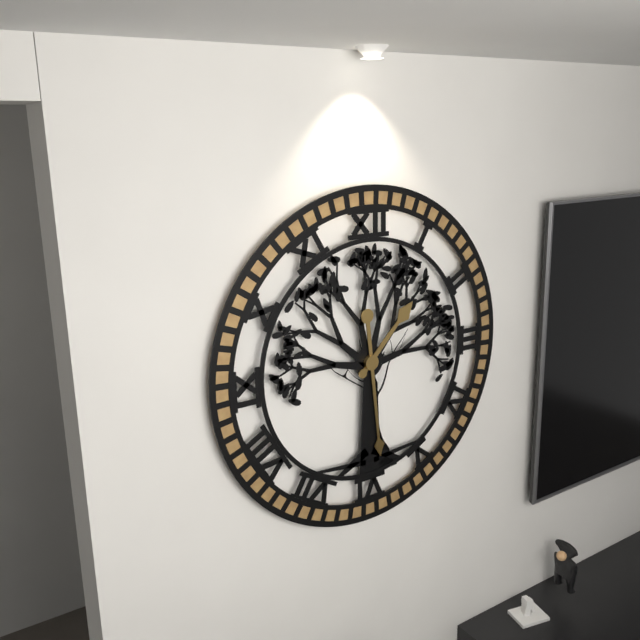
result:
{"hour": 1, "minute": 29}
